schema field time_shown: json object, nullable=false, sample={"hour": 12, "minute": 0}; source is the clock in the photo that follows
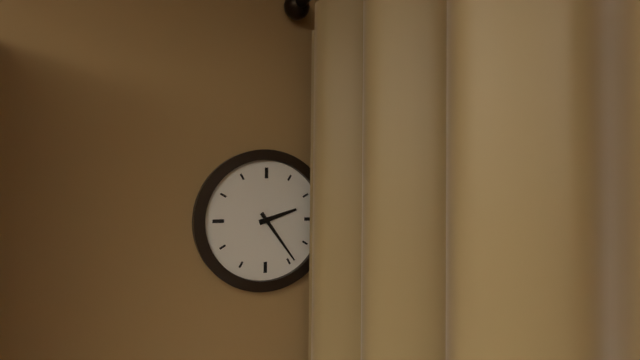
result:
{"hour": 2, "minute": 24}
